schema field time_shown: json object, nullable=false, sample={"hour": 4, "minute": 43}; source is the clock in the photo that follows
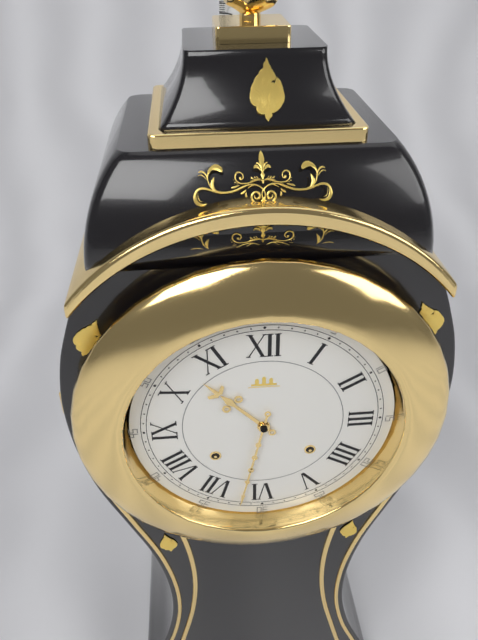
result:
{"hour": 10, "minute": 32}
